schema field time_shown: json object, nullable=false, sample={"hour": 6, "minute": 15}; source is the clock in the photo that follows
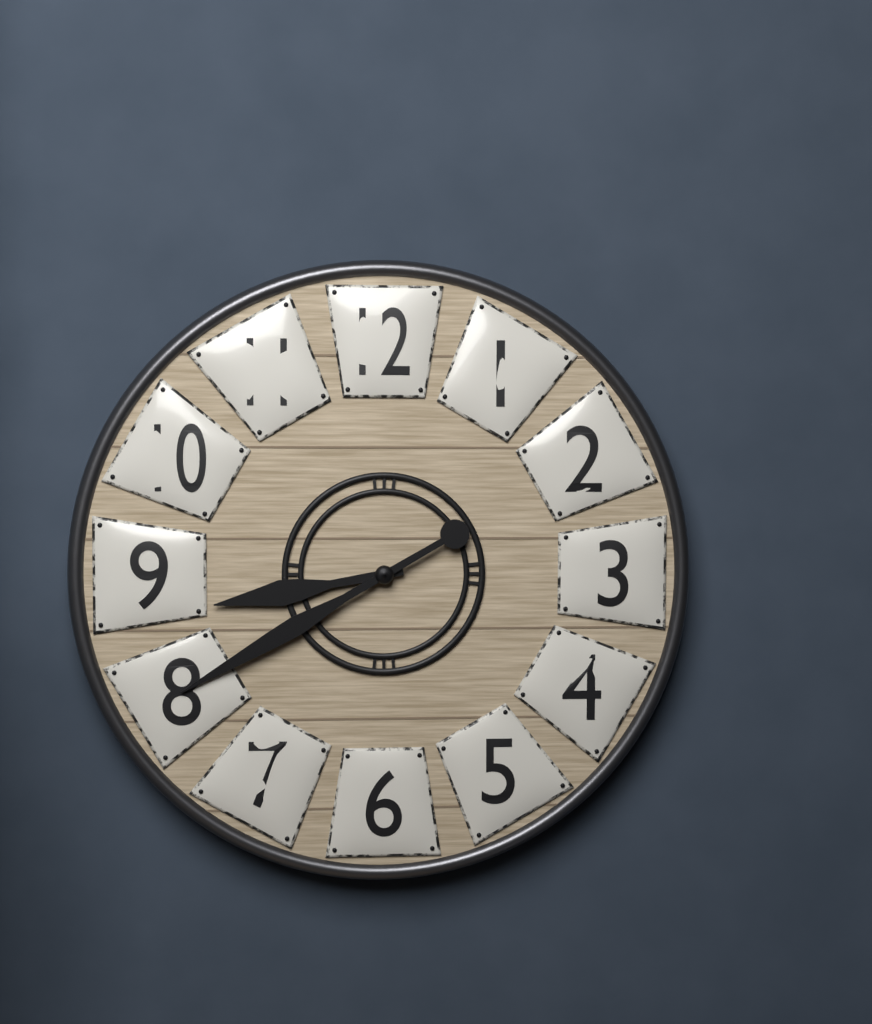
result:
{"hour": 8, "minute": 40}
